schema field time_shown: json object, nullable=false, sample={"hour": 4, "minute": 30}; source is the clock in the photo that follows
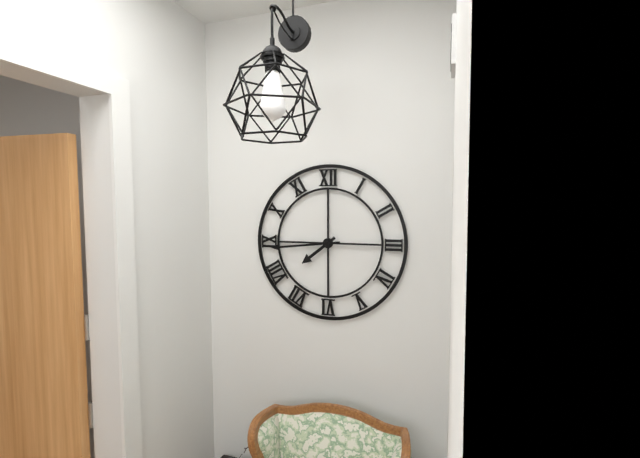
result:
{"hour": 7, "minute": 44}
